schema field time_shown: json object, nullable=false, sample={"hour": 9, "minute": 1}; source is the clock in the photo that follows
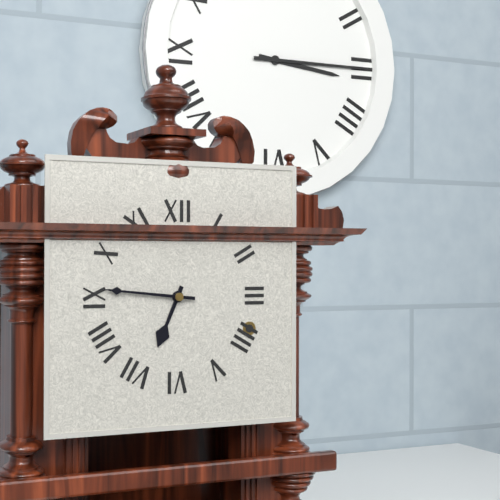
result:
{"hour": 6, "minute": 46}
